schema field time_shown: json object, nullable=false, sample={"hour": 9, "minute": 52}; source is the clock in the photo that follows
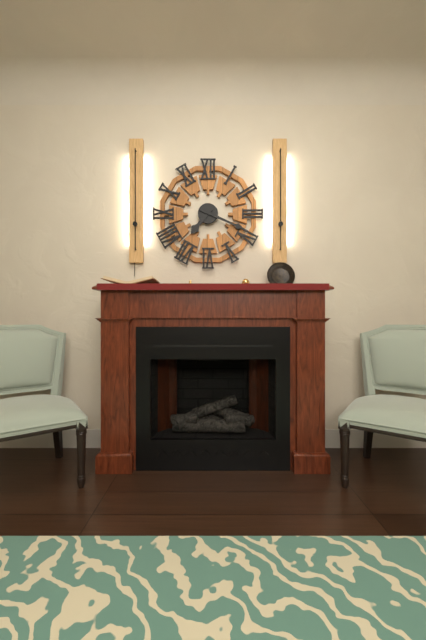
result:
{"hour": 7, "minute": 19}
